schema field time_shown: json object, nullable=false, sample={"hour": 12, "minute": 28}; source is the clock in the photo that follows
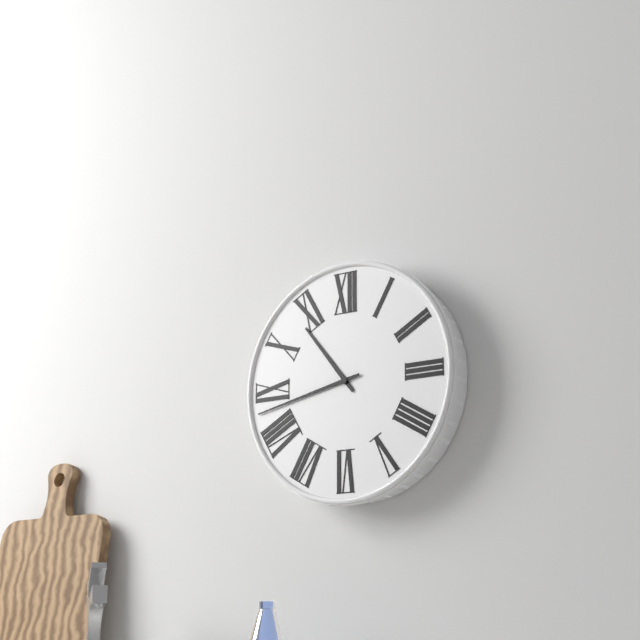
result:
{"hour": 10, "minute": 43}
